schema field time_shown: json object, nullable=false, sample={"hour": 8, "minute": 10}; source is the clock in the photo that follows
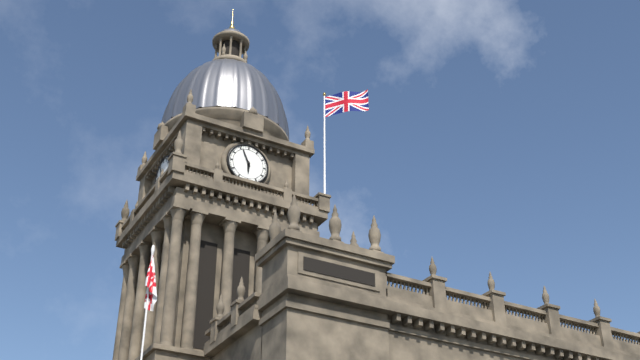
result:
{"hour": 5, "minute": 56}
